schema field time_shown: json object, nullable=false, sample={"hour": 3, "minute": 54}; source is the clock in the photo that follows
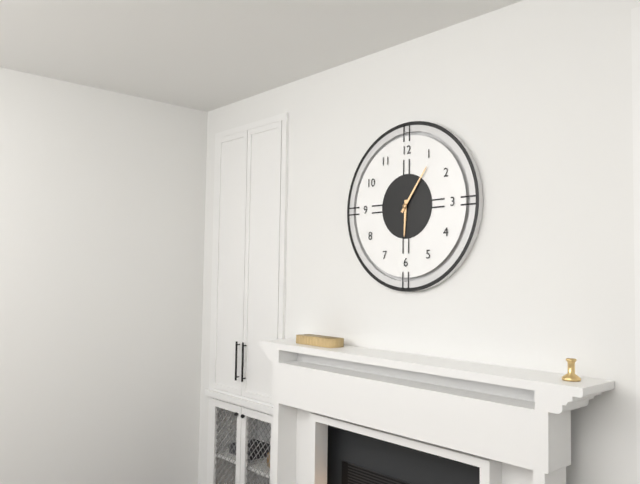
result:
{"hour": 6, "minute": 6}
